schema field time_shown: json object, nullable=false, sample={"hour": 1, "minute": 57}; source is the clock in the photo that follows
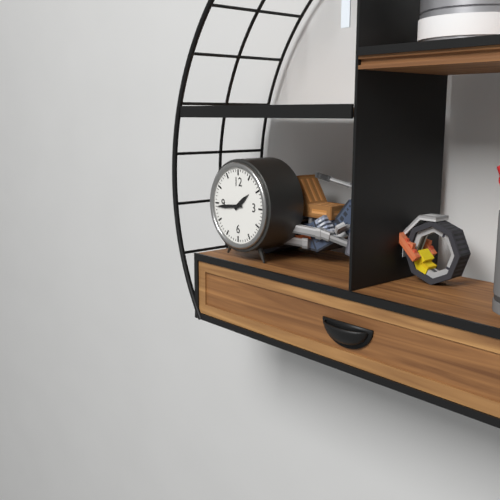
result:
{"hour": 1, "minute": 44}
